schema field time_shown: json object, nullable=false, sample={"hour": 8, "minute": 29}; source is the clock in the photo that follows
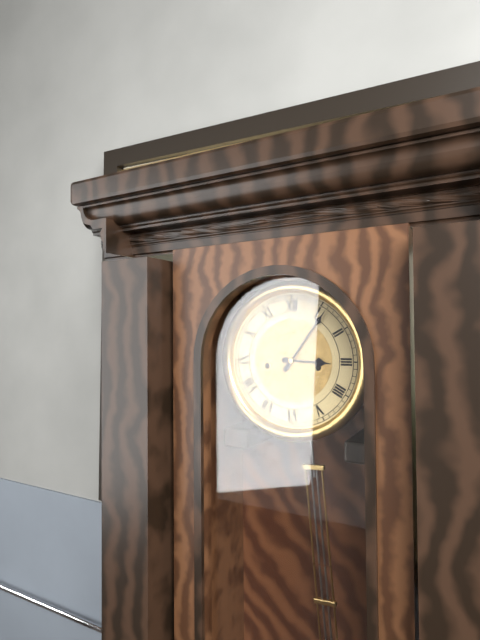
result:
{"hour": 3, "minute": 6}
